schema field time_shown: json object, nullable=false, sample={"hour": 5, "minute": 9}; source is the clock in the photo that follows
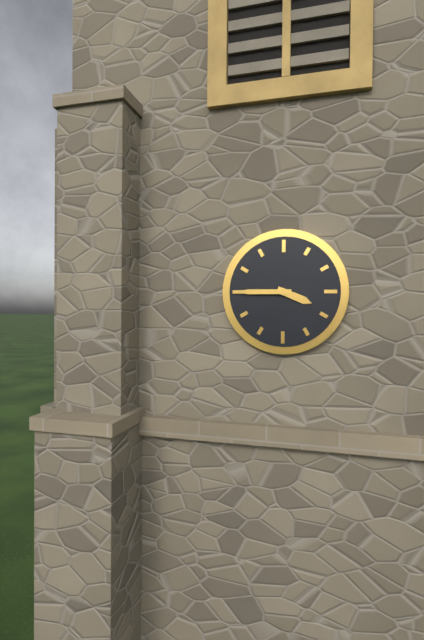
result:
{"hour": 3, "minute": 45}
